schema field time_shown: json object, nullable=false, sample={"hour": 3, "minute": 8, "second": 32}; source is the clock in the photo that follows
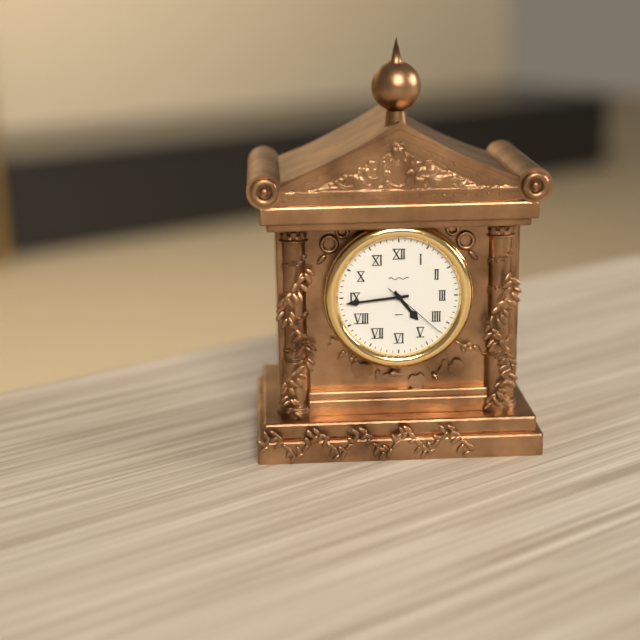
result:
{"hour": 4, "minute": 44, "second": 22}
